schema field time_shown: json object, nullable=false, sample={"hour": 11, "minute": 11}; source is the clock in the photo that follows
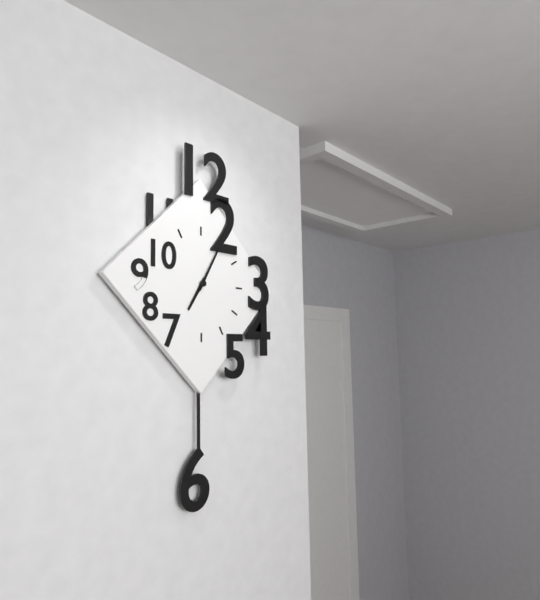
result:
{"hour": 7, "minute": 5}
